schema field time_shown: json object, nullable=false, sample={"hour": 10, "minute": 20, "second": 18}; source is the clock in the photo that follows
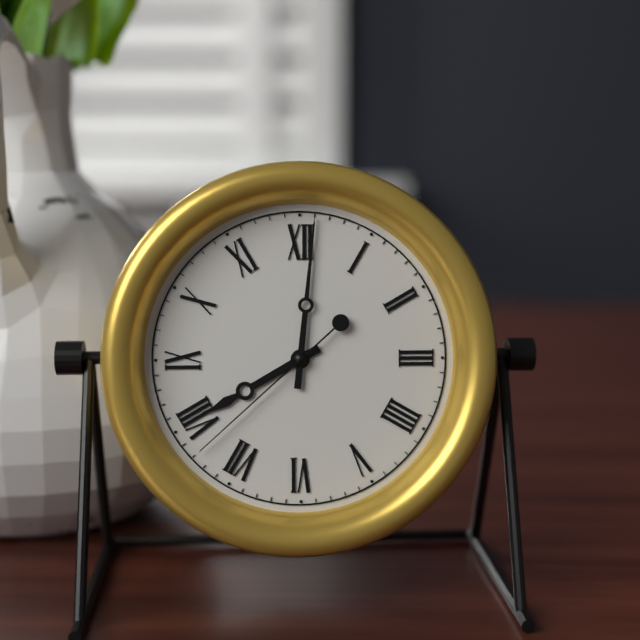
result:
{"hour": 8, "minute": 1, "second": 38}
